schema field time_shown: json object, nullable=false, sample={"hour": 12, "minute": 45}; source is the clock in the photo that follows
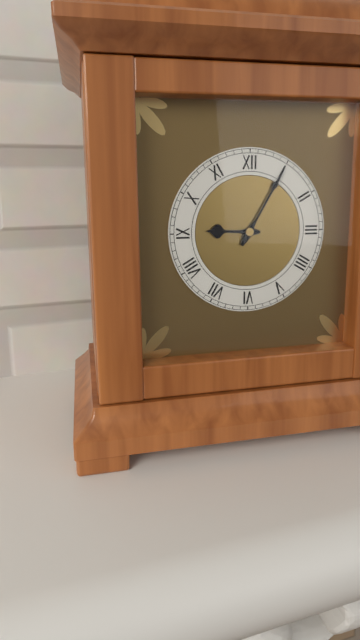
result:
{"hour": 9, "minute": 5}
